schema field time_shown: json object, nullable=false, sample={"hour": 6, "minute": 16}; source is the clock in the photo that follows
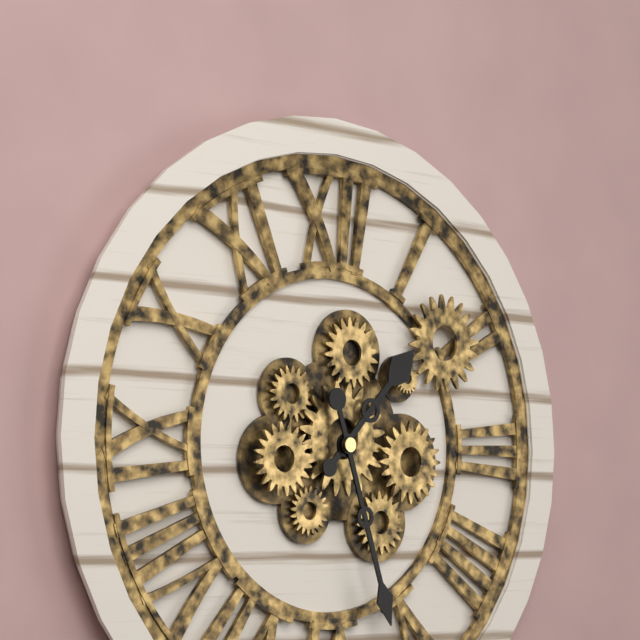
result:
{"hour": 1, "minute": 27}
